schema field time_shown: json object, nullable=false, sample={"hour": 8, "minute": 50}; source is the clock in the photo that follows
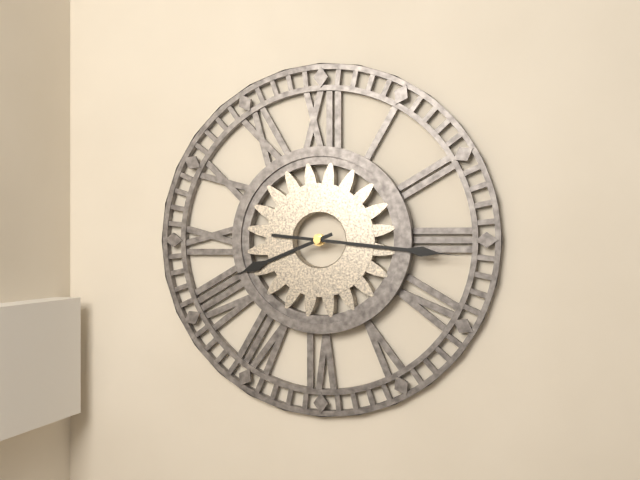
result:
{"hour": 8, "minute": 16}
